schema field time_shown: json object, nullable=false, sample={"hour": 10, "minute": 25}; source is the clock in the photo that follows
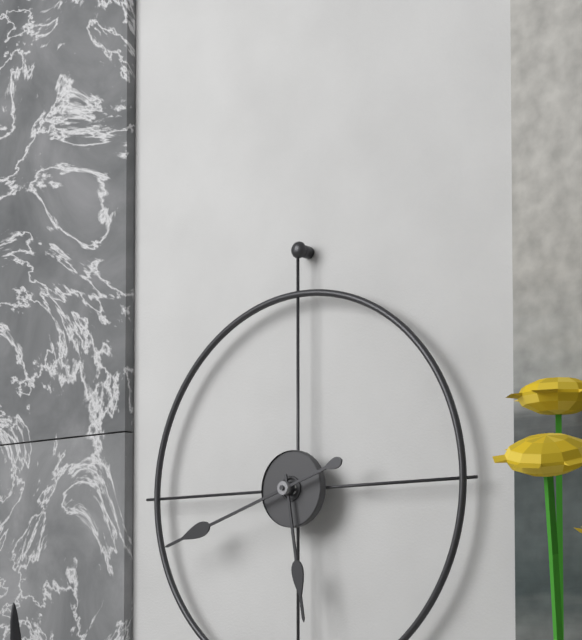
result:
{"hour": 5, "minute": 42}
